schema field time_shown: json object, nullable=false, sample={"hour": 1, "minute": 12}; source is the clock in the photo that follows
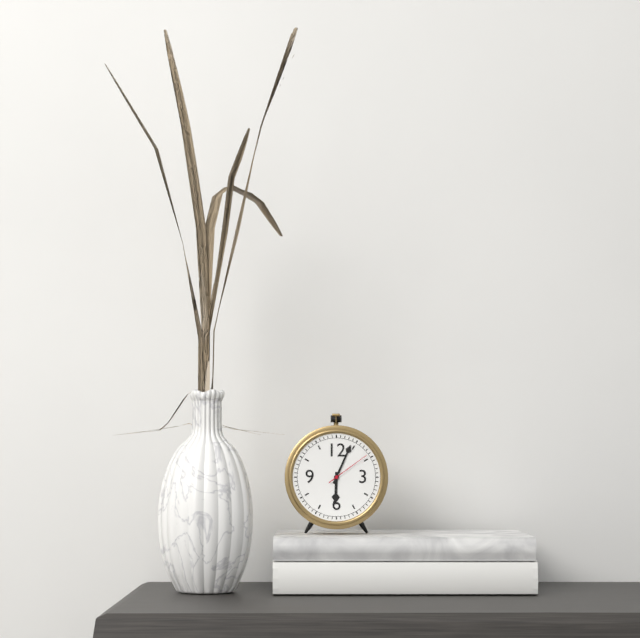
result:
{"hour": 6, "minute": 4}
